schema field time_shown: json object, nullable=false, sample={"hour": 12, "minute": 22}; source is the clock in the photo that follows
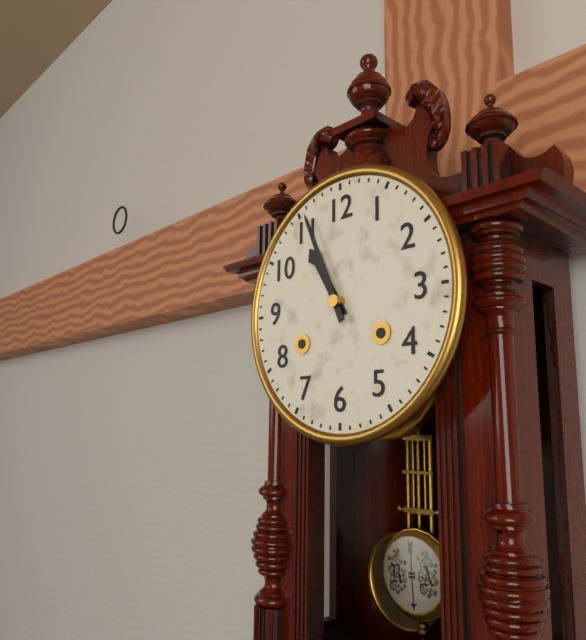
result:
{"hour": 10, "minute": 56}
